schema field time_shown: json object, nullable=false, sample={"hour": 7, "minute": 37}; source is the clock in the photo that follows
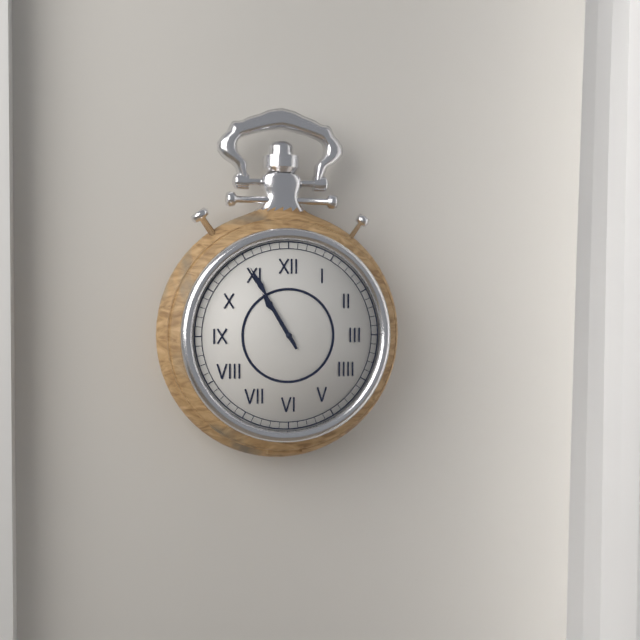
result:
{"hour": 10, "minute": 55}
